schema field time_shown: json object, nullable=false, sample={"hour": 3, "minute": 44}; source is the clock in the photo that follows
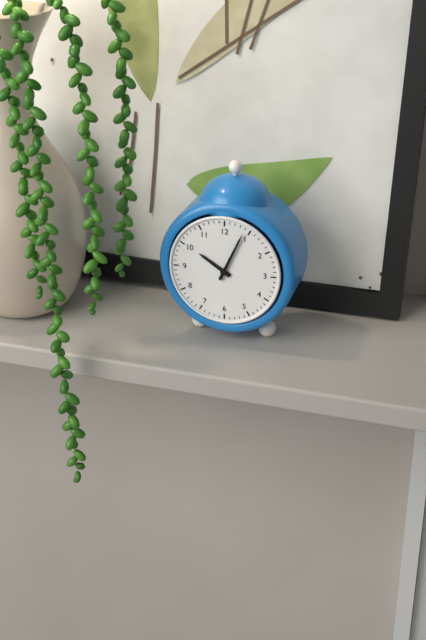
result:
{"hour": 10, "minute": 4}
